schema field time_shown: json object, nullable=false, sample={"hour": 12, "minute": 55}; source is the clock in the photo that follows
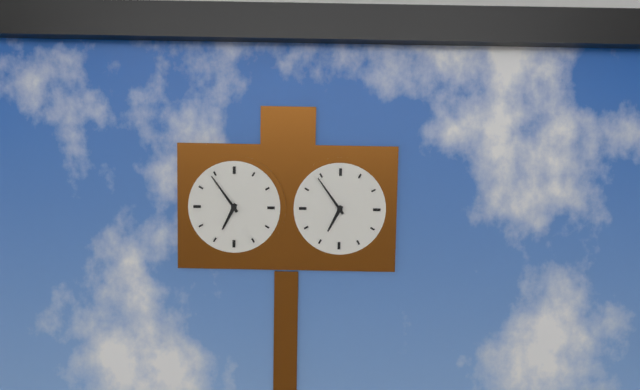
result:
{"hour": 6, "minute": 54}
